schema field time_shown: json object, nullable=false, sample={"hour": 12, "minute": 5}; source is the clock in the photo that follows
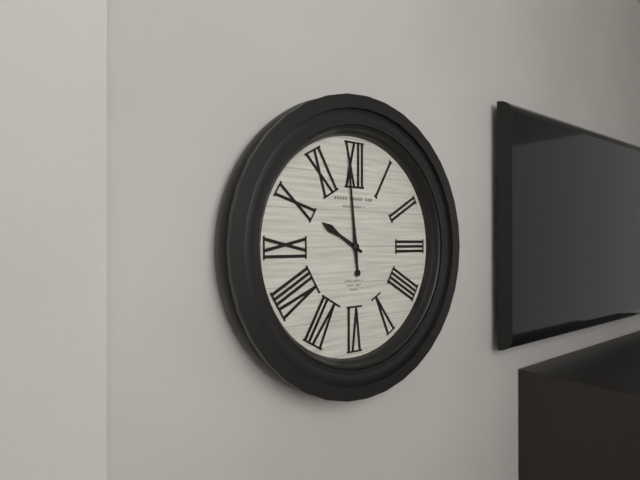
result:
{"hour": 9, "minute": 59}
